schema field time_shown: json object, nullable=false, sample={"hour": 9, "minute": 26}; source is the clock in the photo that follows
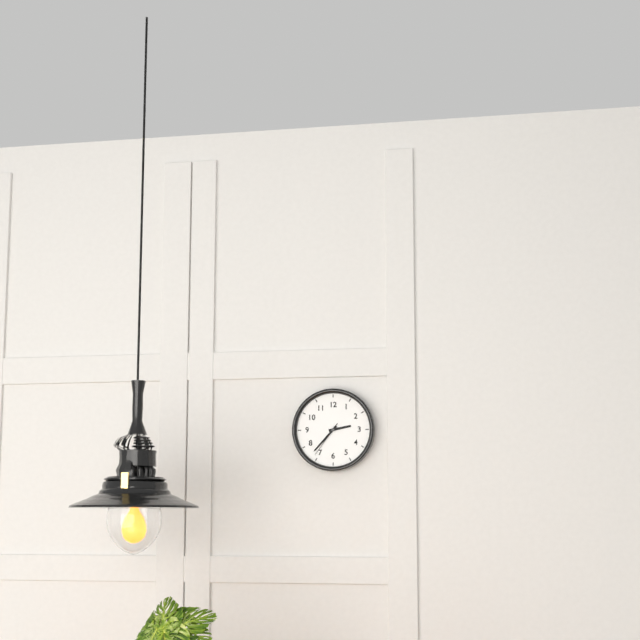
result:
{"hour": 2, "minute": 37}
